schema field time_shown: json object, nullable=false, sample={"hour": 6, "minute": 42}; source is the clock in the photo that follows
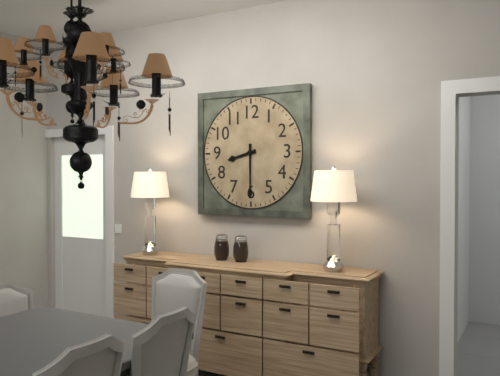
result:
{"hour": 8, "minute": 30}
